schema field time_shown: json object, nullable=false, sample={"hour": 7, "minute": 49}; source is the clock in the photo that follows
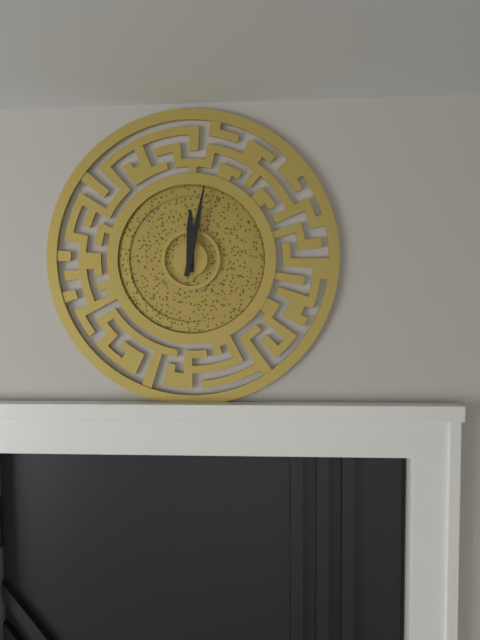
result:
{"hour": 12, "minute": 2}
